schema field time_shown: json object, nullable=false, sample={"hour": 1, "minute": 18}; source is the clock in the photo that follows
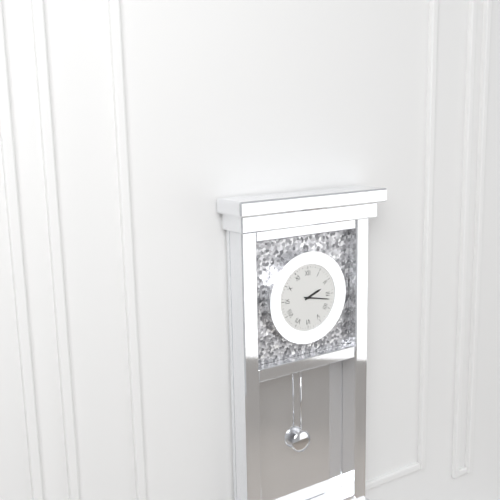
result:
{"hour": 2, "minute": 17}
